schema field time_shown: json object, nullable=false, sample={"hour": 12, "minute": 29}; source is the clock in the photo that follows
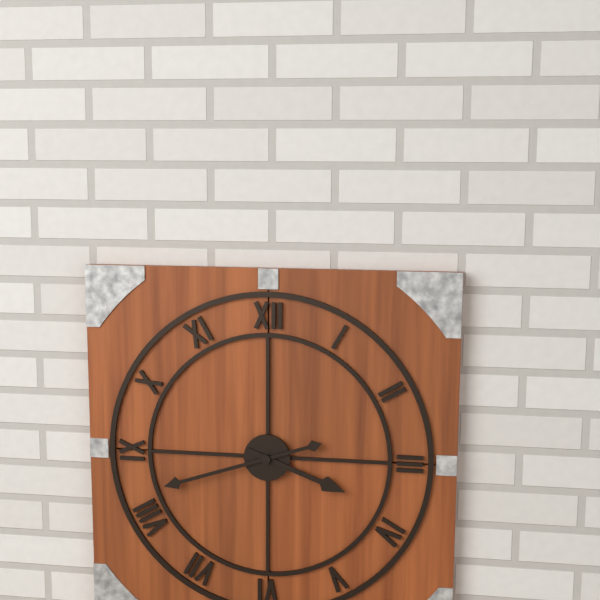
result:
{"hour": 3, "minute": 42}
